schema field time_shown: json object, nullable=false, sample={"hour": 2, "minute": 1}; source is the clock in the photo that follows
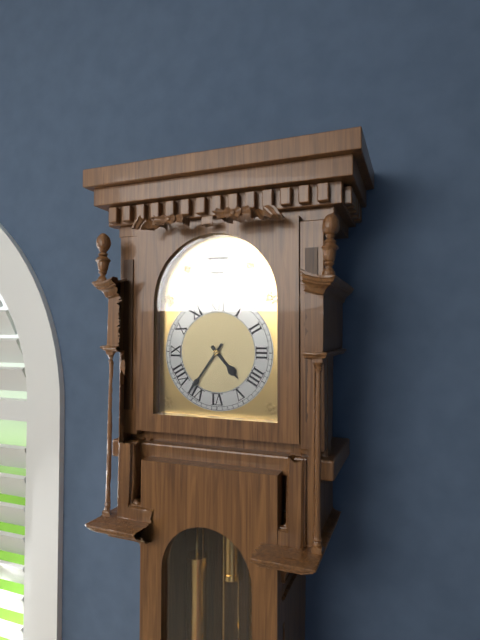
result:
{"hour": 4, "minute": 36}
